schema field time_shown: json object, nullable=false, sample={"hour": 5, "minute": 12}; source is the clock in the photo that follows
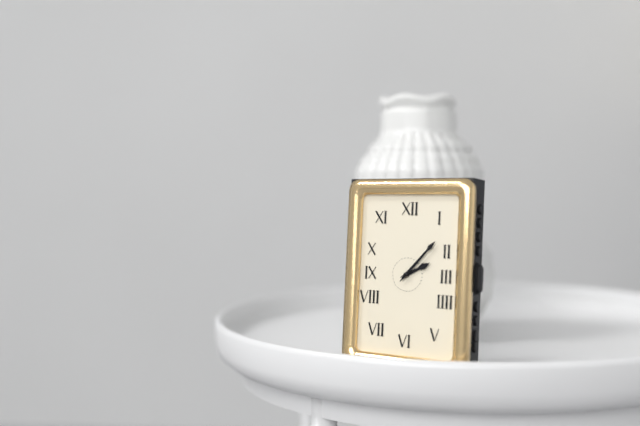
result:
{"hour": 2, "minute": 7}
